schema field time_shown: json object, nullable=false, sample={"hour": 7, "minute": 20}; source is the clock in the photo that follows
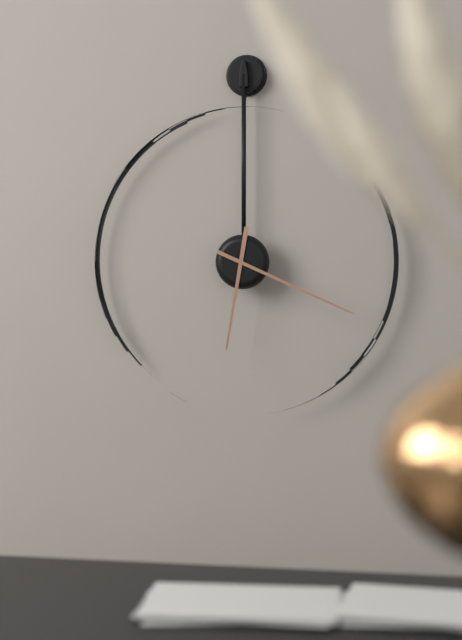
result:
{"hour": 6, "minute": 19}
